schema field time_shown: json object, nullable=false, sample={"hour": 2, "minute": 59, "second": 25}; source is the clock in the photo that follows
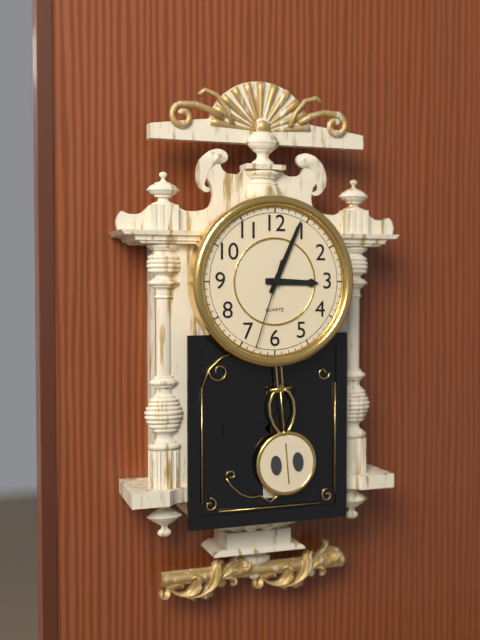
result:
{"hour": 3, "minute": 4, "second": 33}
